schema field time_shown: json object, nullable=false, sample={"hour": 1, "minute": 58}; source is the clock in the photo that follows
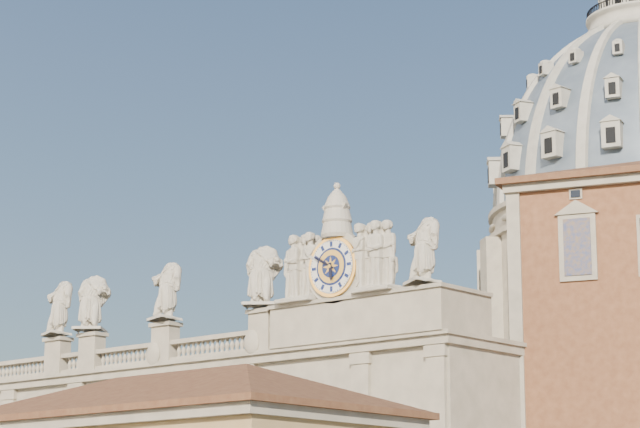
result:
{"hour": 5, "minute": 50}
